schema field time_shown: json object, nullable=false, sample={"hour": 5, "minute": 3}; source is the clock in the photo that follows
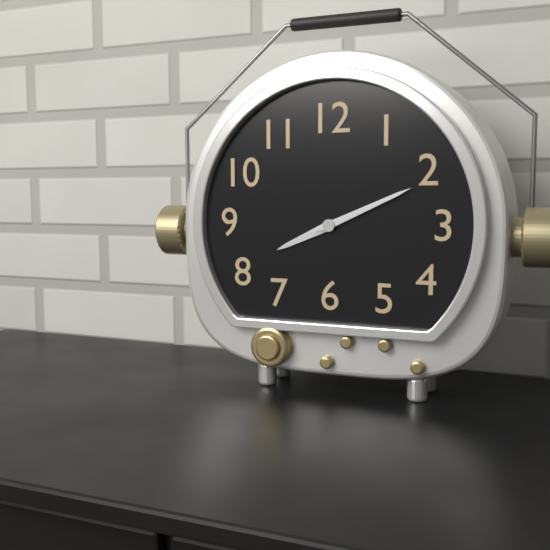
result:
{"hour": 8, "minute": 11}
